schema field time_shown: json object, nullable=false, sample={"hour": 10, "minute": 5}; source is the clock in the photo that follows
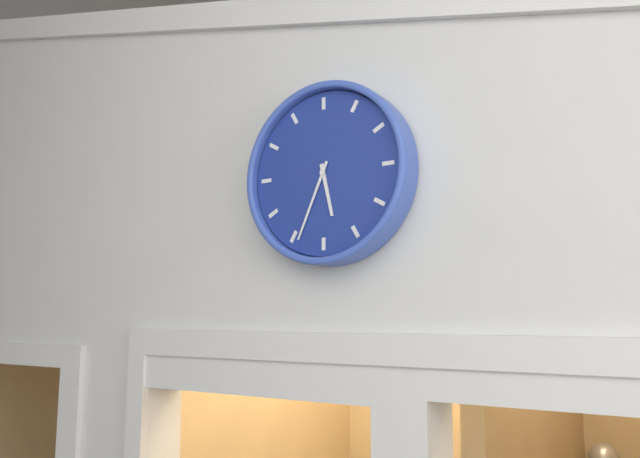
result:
{"hour": 5, "minute": 34}
